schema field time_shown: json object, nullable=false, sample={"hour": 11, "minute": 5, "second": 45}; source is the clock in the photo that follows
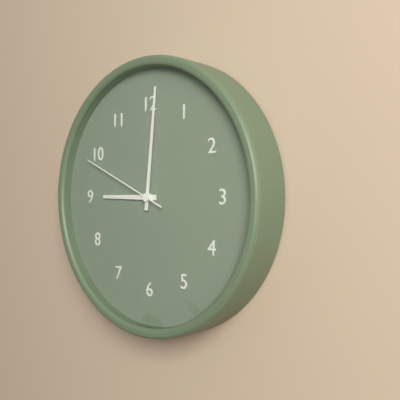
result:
{"hour": 9, "minute": 1, "second": 49}
